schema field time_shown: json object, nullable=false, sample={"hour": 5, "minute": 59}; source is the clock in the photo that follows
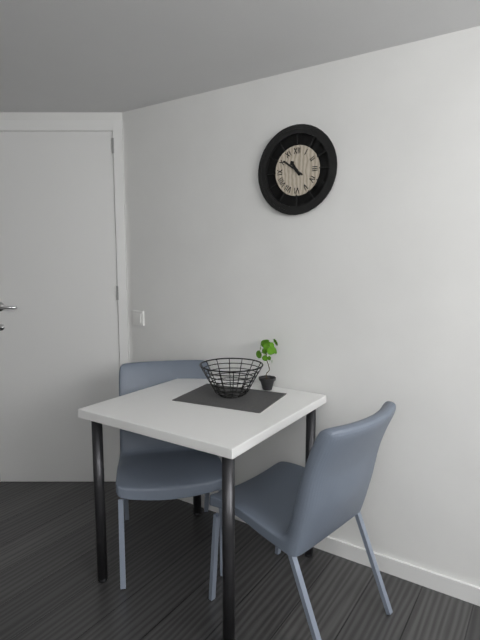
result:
{"hour": 10, "minute": 51}
